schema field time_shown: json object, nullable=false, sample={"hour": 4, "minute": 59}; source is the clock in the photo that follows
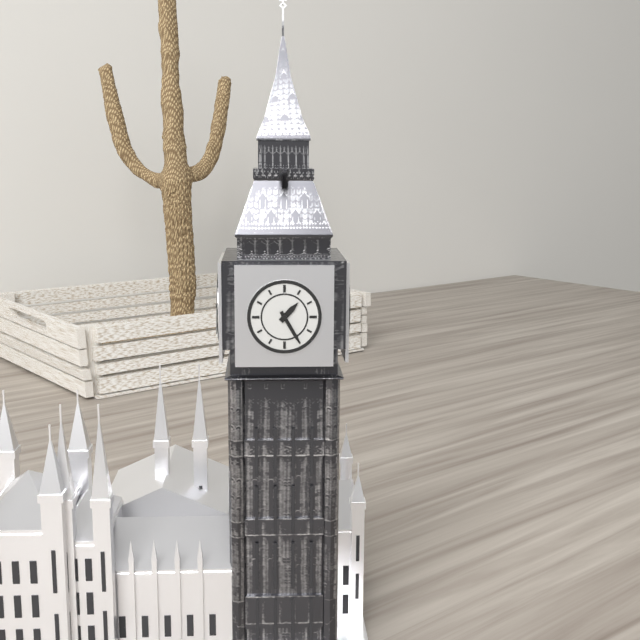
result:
{"hour": 1, "minute": 25}
